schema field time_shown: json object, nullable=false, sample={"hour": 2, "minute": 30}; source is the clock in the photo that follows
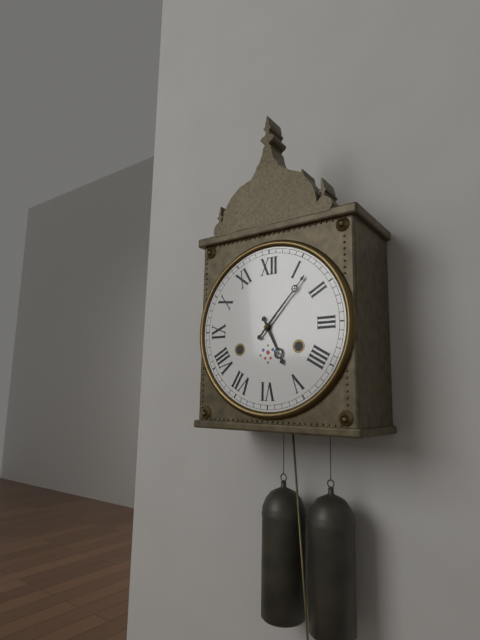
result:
{"hour": 5, "minute": 7}
